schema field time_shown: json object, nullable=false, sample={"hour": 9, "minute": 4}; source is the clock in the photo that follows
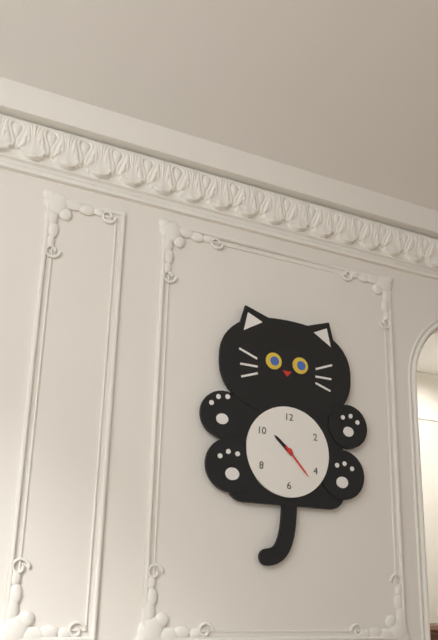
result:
{"hour": 10, "minute": 23}
